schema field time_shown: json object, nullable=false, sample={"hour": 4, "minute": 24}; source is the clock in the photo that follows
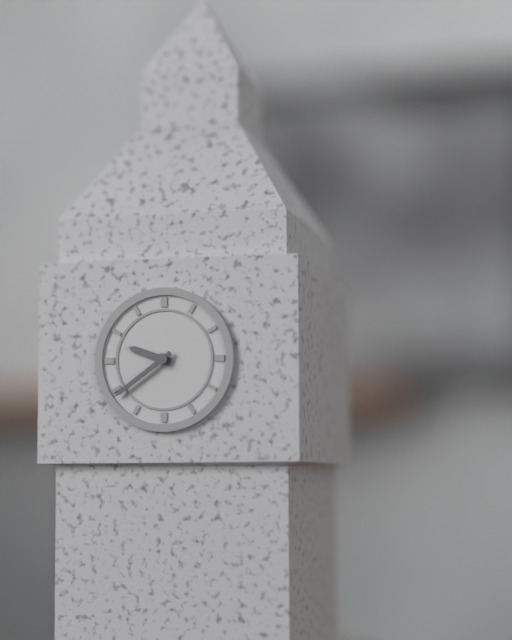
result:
{"hour": 9, "minute": 39}
